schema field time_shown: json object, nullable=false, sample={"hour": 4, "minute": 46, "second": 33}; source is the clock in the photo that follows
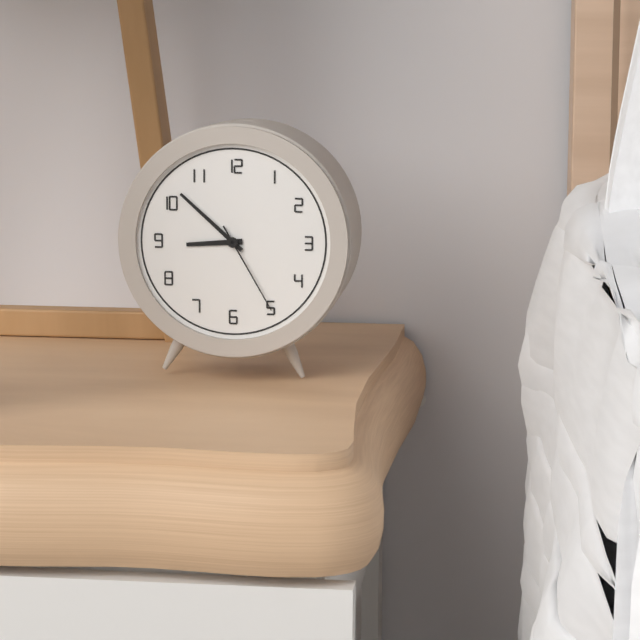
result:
{"hour": 8, "minute": 52, "second": 25}
